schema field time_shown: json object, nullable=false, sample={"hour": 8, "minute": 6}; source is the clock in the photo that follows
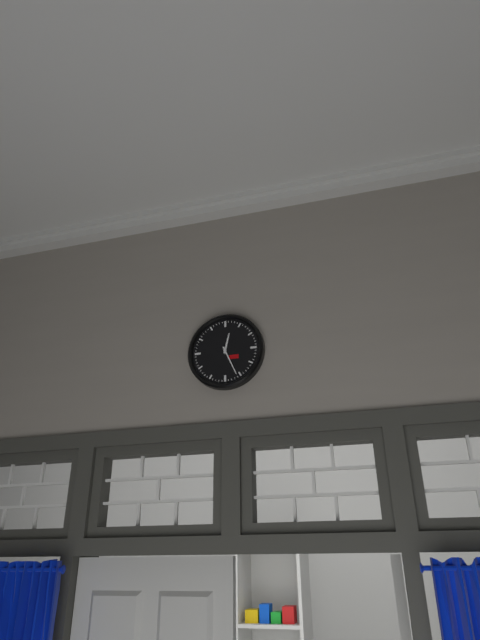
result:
{"hour": 12, "minute": 26}
